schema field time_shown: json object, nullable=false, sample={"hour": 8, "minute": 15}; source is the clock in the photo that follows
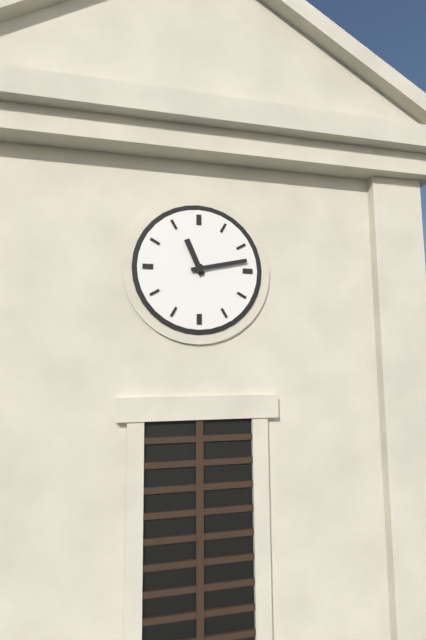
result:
{"hour": 11, "minute": 13}
